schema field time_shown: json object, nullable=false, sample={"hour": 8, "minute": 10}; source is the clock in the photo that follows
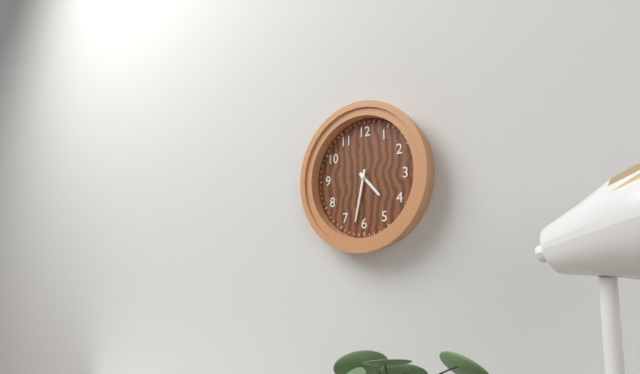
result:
{"hour": 4, "minute": 32}
